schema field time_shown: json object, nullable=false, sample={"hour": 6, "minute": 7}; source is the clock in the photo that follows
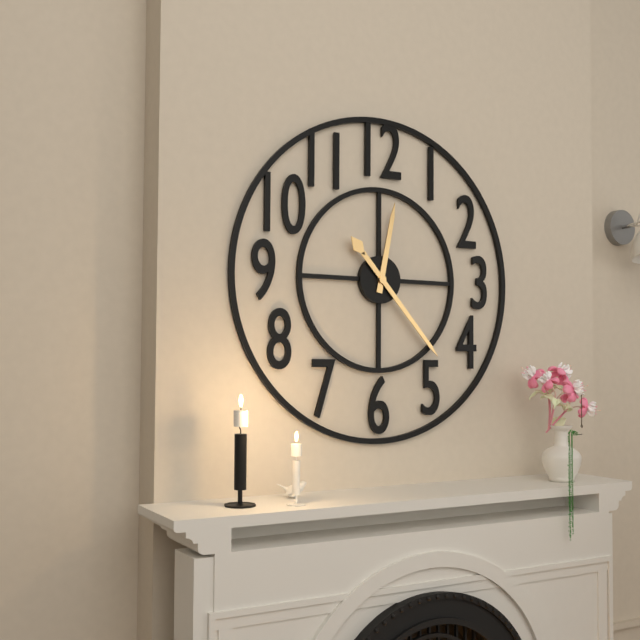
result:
{"hour": 12, "minute": 23}
